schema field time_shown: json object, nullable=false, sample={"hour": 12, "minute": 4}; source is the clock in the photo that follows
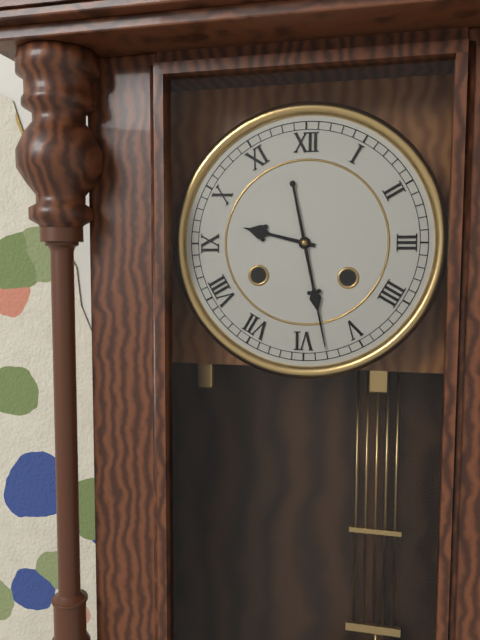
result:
{"hour": 9, "minute": 28}
